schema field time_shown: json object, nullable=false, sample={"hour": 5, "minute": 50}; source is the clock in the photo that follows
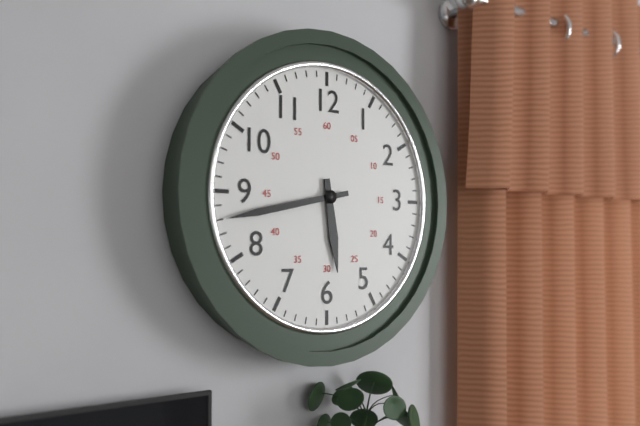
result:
{"hour": 5, "minute": 43}
